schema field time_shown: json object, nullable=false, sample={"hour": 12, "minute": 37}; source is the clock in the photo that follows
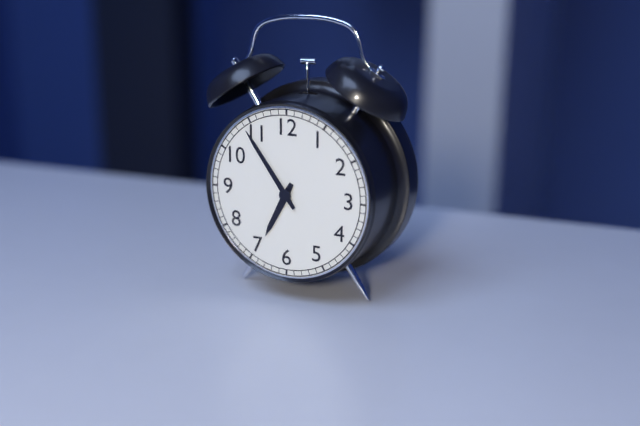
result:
{"hour": 6, "minute": 54}
